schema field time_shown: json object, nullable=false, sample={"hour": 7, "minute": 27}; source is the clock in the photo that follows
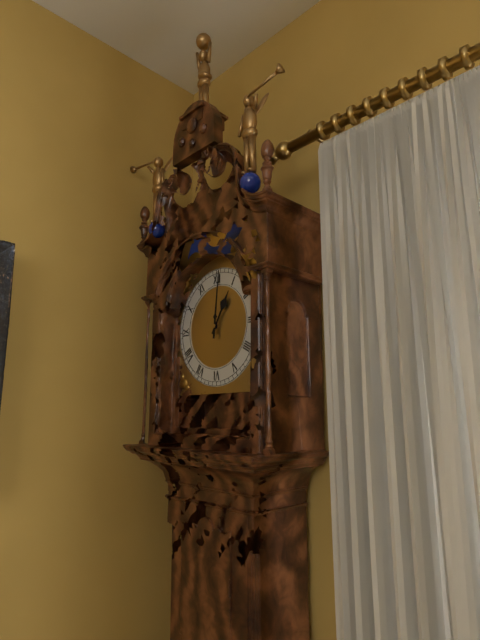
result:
{"hour": 1, "minute": 1}
